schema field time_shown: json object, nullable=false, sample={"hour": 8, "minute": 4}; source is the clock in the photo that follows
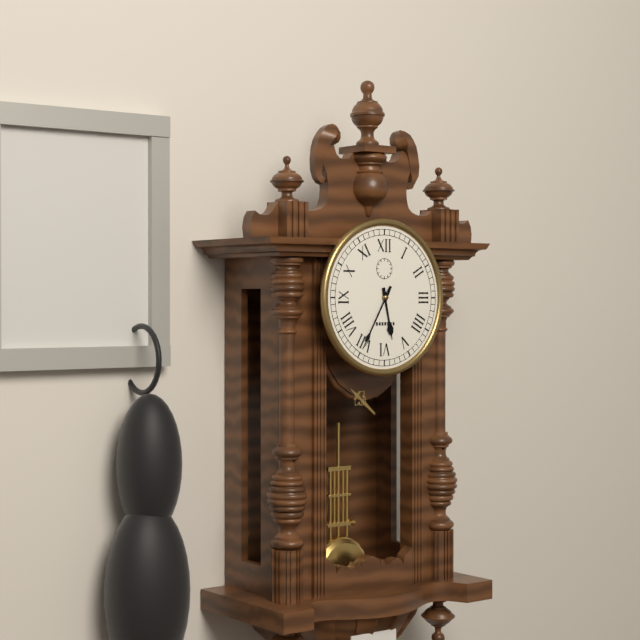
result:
{"hour": 5, "minute": 35}
